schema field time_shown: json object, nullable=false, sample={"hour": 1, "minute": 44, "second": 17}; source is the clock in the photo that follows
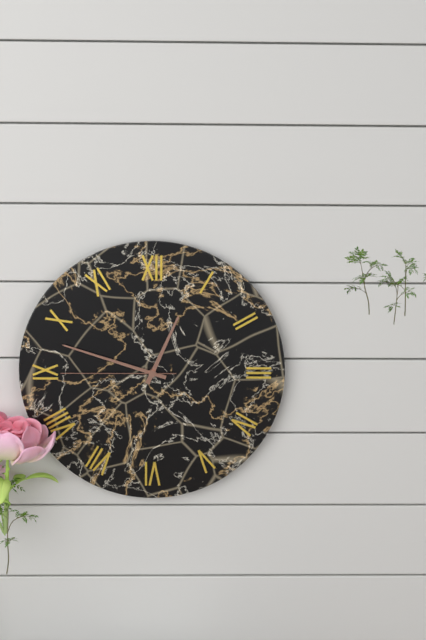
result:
{"hour": 12, "minute": 48, "second": 45}
